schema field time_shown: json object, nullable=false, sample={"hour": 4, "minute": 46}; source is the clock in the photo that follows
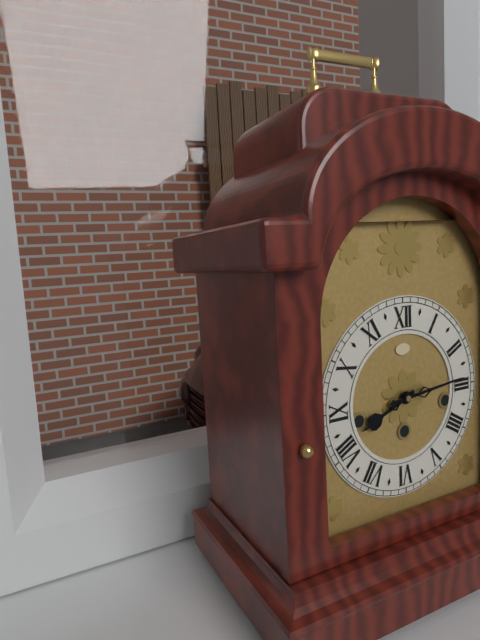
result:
{"hour": 8, "minute": 14}
